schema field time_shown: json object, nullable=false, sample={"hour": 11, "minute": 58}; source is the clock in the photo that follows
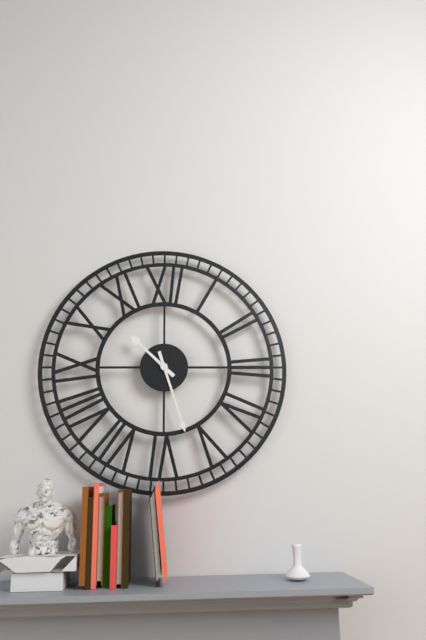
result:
{"hour": 10, "minute": 27}
